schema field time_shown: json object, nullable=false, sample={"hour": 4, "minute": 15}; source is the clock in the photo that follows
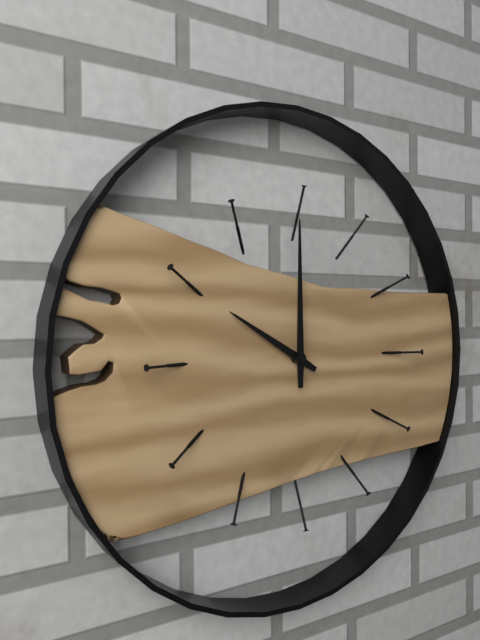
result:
{"hour": 10, "minute": 0}
